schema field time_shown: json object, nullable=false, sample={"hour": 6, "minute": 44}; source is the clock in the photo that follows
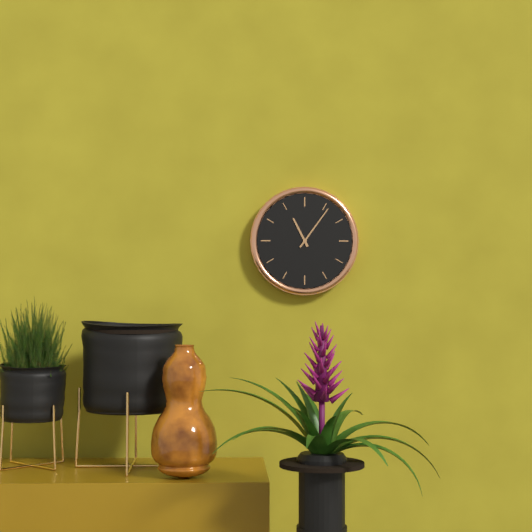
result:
{"hour": 11, "minute": 6}
